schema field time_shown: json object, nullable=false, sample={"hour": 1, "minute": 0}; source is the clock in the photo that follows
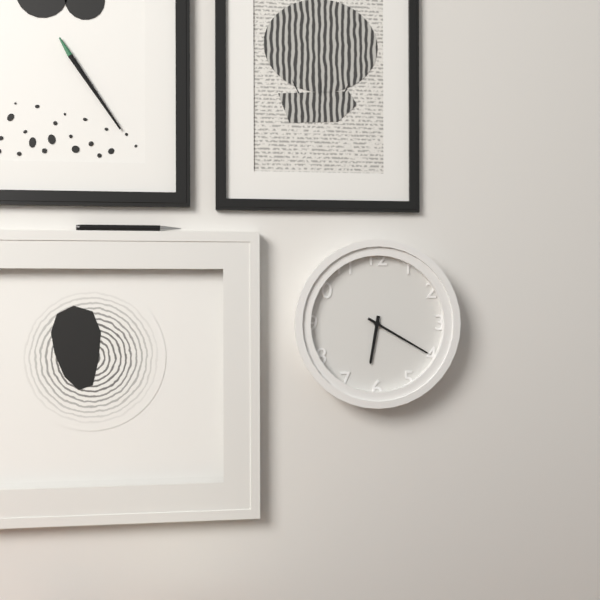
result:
{"hour": 6, "minute": 20}
